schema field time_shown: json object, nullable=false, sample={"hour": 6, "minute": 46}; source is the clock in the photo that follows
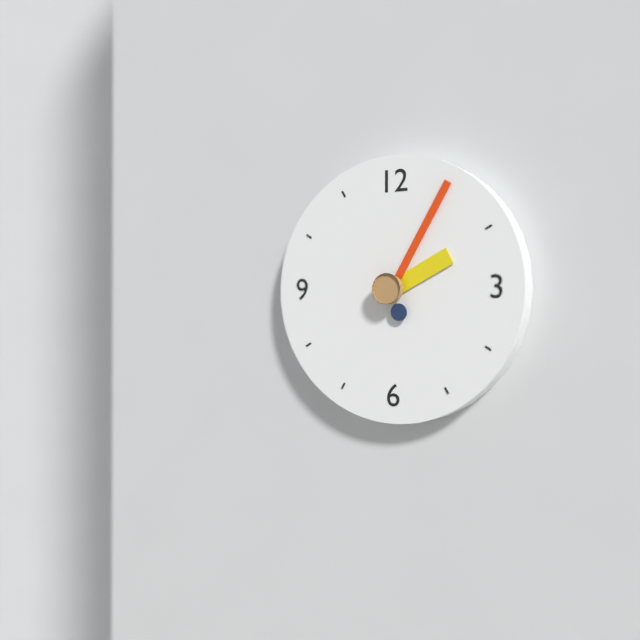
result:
{"hour": 2, "minute": 5}
